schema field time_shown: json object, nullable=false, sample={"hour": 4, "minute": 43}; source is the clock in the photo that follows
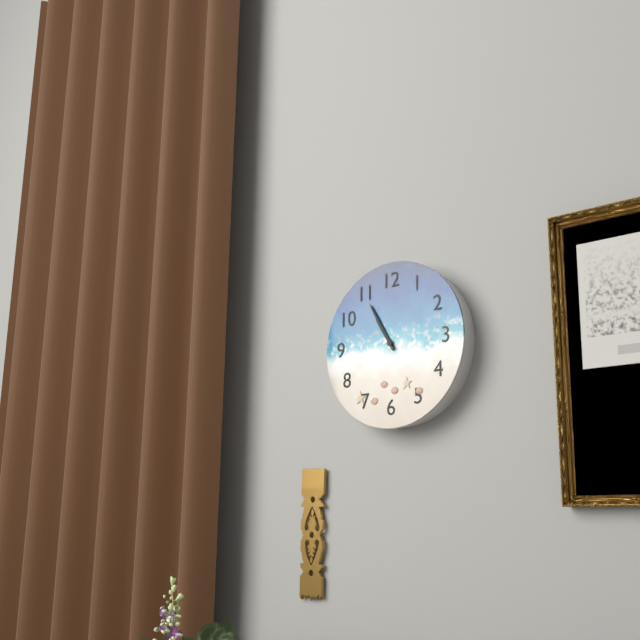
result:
{"hour": 10, "minute": 55}
